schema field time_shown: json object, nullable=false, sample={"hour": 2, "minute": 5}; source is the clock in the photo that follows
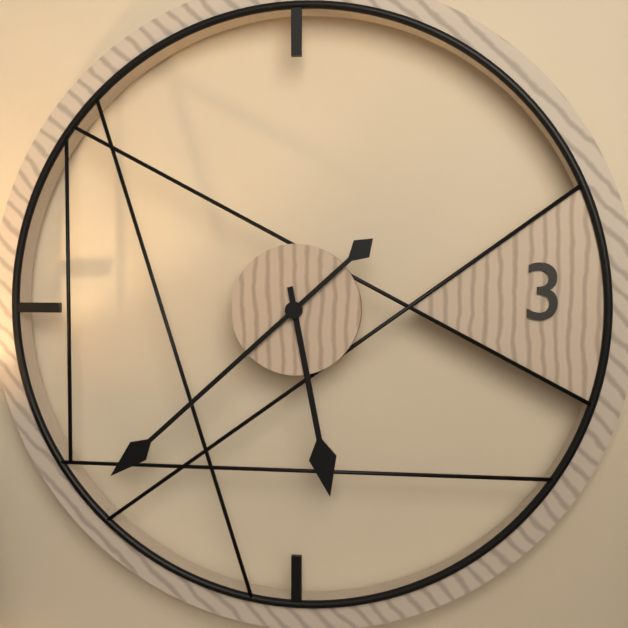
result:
{"hour": 5, "minute": 38}
